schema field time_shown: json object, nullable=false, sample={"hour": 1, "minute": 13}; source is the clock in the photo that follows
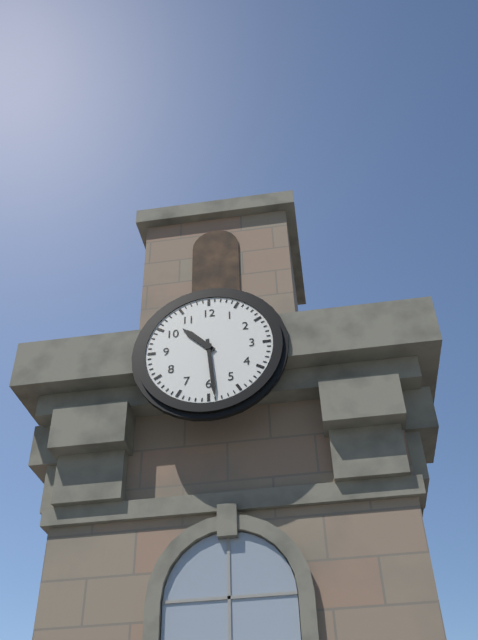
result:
{"hour": 10, "minute": 29}
